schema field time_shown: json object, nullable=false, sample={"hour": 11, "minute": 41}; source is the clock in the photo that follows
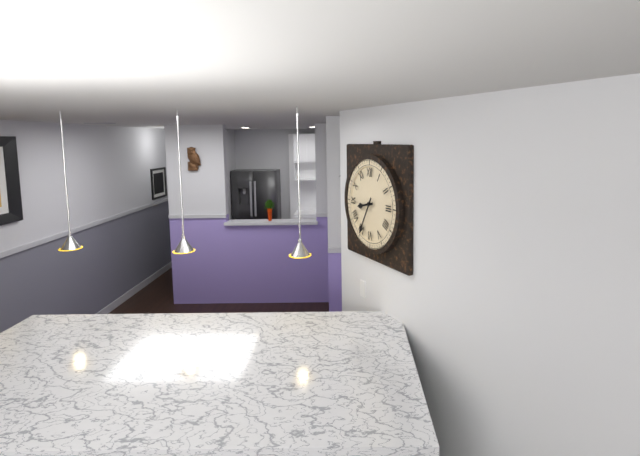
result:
{"hour": 8, "minute": 35}
